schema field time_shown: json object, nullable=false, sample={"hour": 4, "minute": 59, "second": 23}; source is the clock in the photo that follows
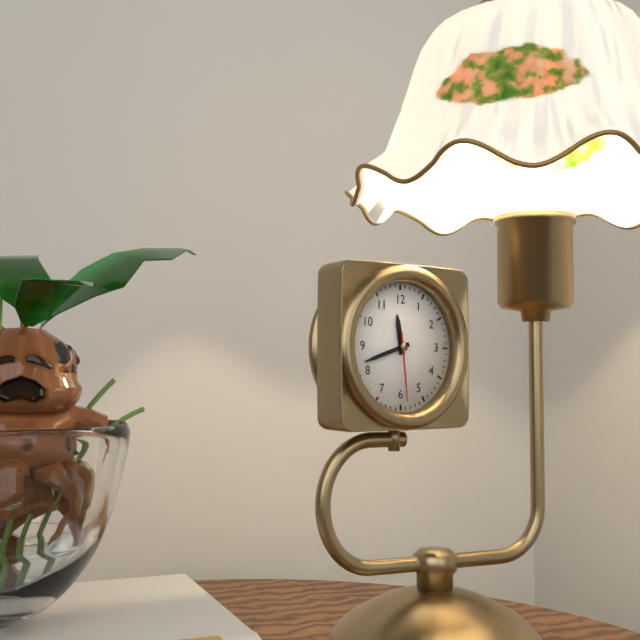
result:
{"hour": 11, "minute": 42, "second": 29}
